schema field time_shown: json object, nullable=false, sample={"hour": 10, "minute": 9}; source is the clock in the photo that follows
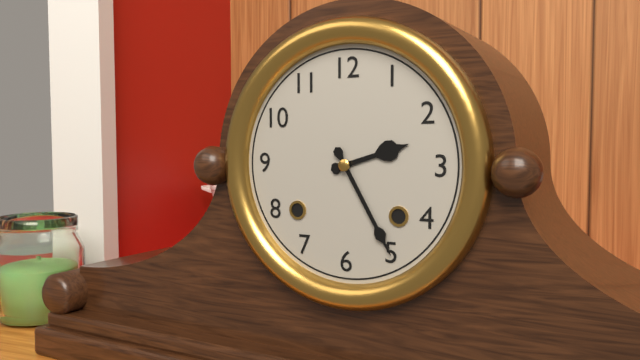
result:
{"hour": 2, "minute": 25}
